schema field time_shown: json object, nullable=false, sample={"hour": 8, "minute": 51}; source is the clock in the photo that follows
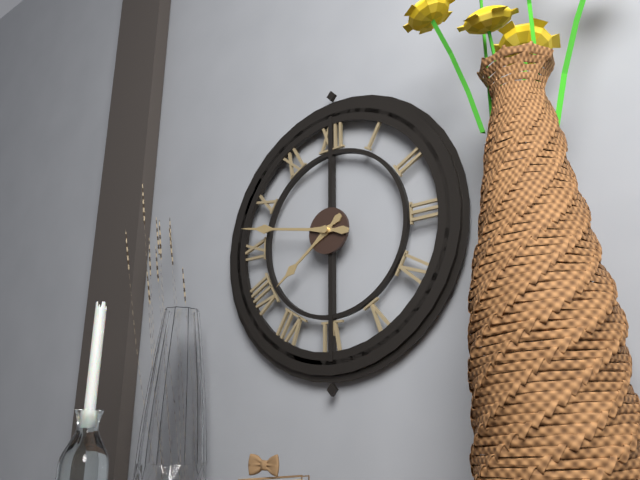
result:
{"hour": 7, "minute": 47}
